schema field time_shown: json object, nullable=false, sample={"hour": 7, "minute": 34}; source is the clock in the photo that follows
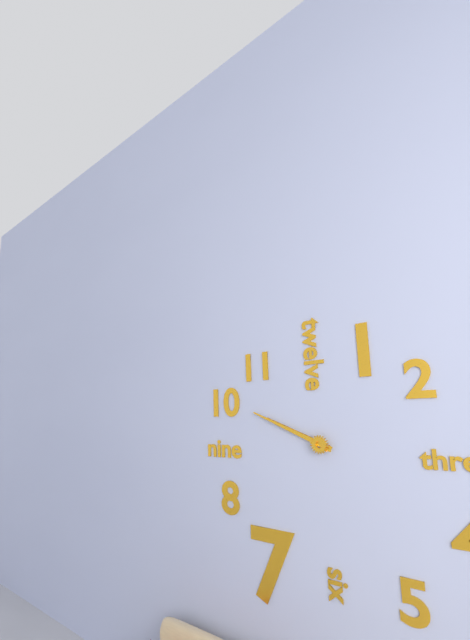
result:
{"hour": 9, "minute": 49}
